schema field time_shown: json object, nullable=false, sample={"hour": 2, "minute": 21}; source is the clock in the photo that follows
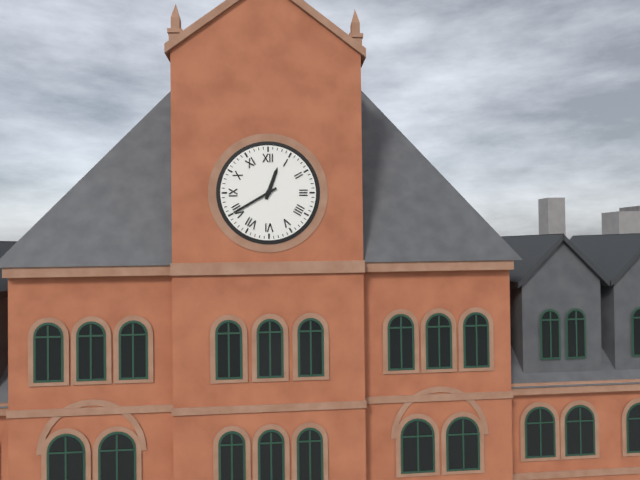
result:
{"hour": 12, "minute": 40}
